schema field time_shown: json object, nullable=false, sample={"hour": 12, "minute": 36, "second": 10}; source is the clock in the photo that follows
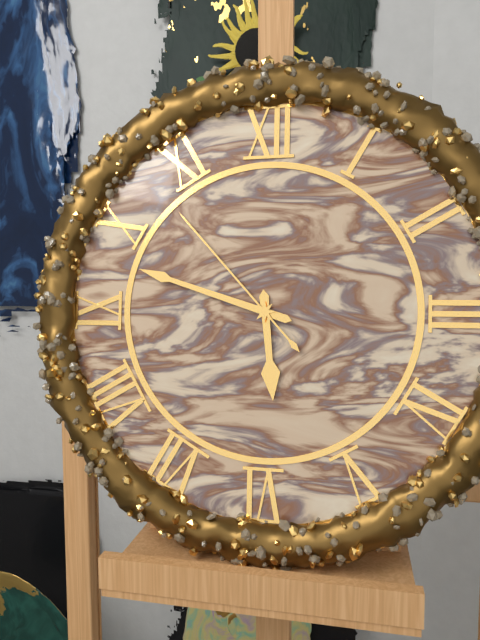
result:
{"hour": 5, "minute": 48, "second": 53}
